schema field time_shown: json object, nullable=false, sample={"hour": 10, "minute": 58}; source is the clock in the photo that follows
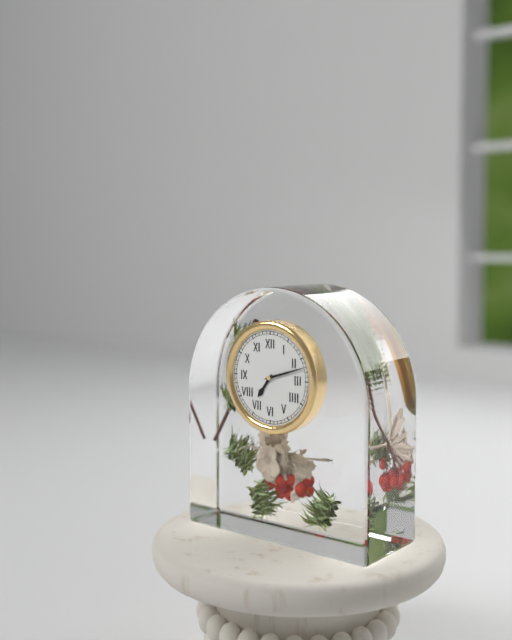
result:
{"hour": 7, "minute": 12}
